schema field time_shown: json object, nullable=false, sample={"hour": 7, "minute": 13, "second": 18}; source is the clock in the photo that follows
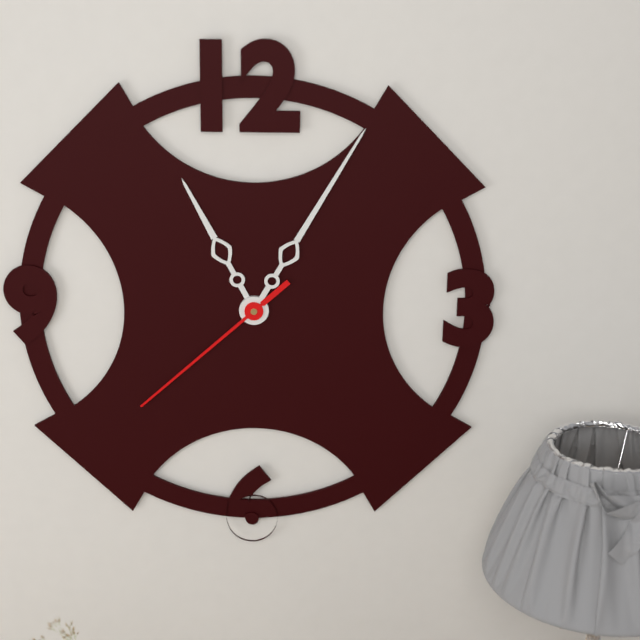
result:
{"hour": 11, "minute": 5, "second": 38}
